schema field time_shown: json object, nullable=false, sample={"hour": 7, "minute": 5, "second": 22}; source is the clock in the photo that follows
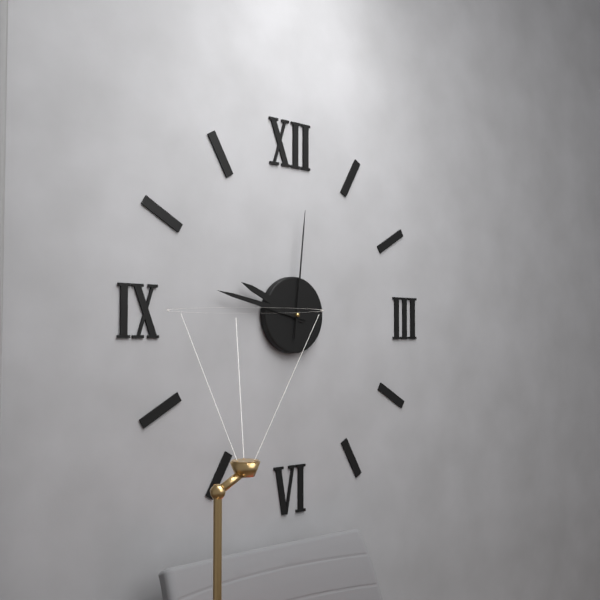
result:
{"hour": 9, "minute": 47, "second": 1}
